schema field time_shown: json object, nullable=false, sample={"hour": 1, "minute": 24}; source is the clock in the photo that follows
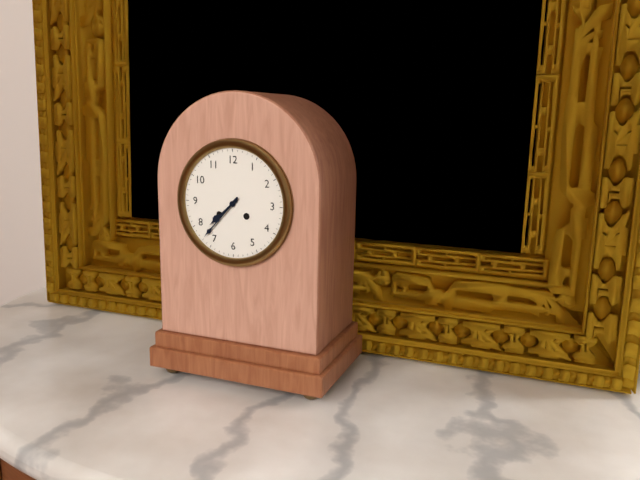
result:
{"hour": 7, "minute": 37}
